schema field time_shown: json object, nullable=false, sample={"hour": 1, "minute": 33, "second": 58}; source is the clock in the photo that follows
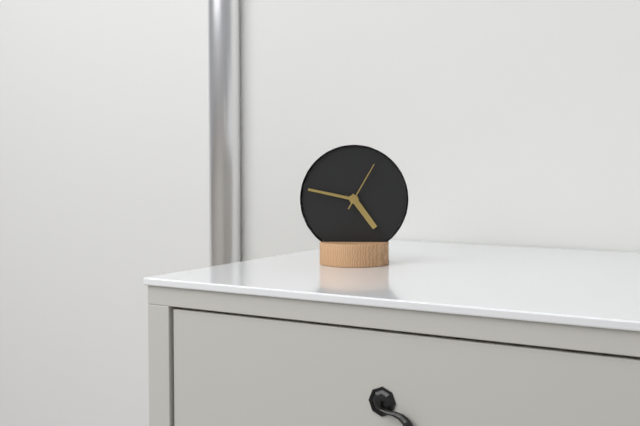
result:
{"hour": 4, "minute": 47, "second": 5}
